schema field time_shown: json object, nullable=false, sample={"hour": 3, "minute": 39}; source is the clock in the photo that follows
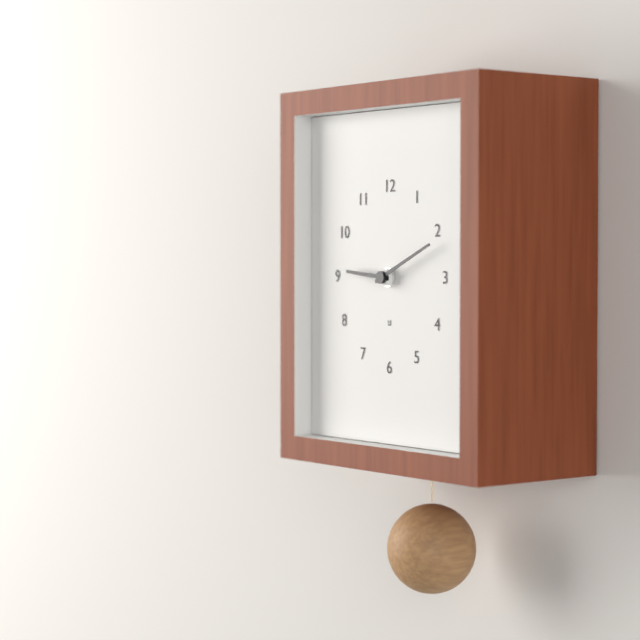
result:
{"hour": 9, "minute": 11}
